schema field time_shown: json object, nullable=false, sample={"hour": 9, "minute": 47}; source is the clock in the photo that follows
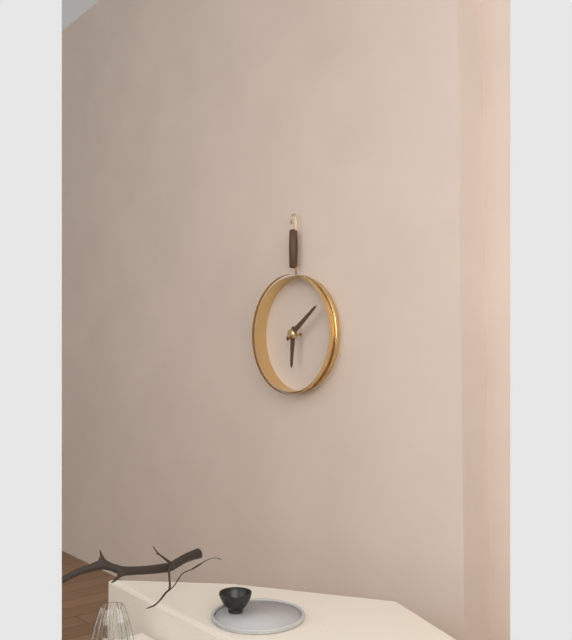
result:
{"hour": 6, "minute": 9}
